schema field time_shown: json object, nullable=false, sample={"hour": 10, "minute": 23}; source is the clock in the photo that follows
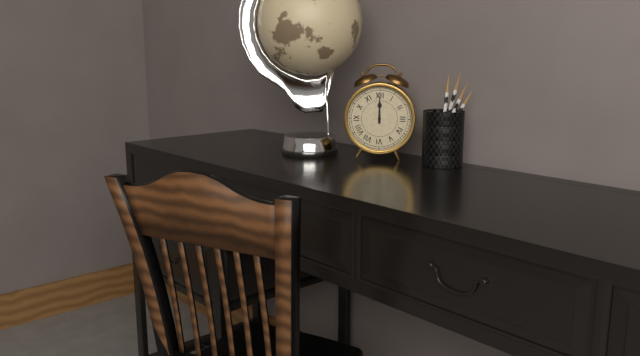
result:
{"hour": 12, "minute": 0}
